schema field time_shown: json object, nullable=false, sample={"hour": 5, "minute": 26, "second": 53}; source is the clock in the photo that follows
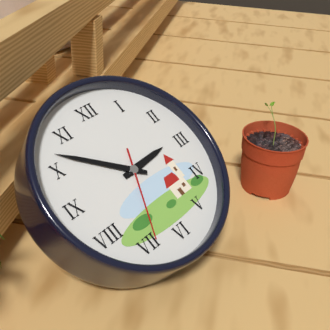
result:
{"hour": 2, "minute": 52, "second": 34}
